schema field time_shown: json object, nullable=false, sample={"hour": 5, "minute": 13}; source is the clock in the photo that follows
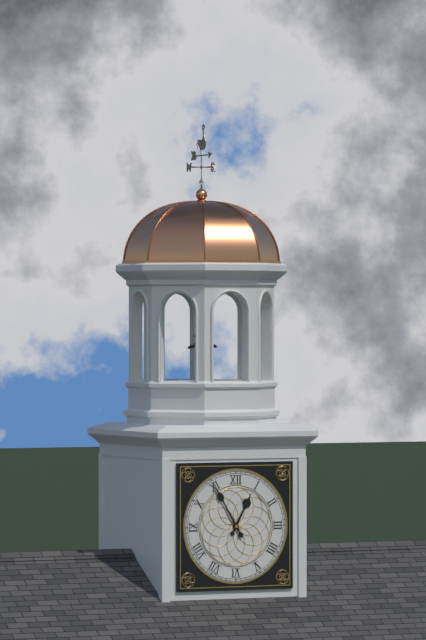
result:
{"hour": 12, "minute": 55}
